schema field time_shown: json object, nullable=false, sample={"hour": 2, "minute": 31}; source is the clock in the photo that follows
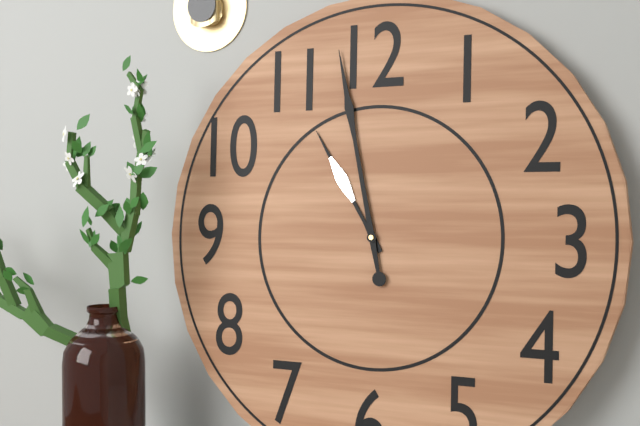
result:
{"hour": 10, "minute": 58}
